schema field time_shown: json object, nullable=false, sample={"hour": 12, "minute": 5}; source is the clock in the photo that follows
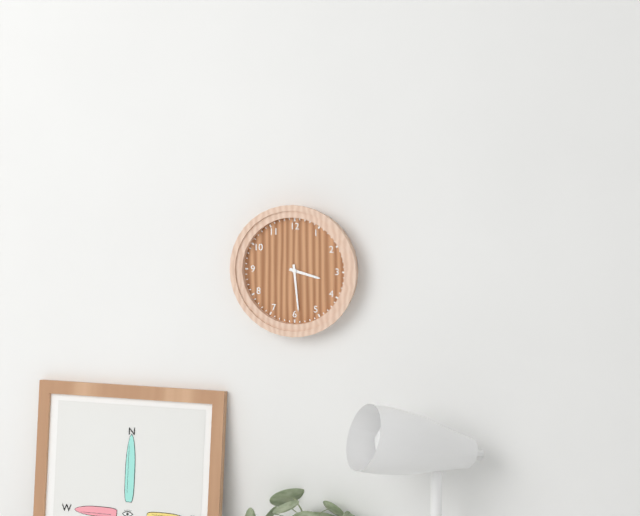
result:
{"hour": 3, "minute": 29}
